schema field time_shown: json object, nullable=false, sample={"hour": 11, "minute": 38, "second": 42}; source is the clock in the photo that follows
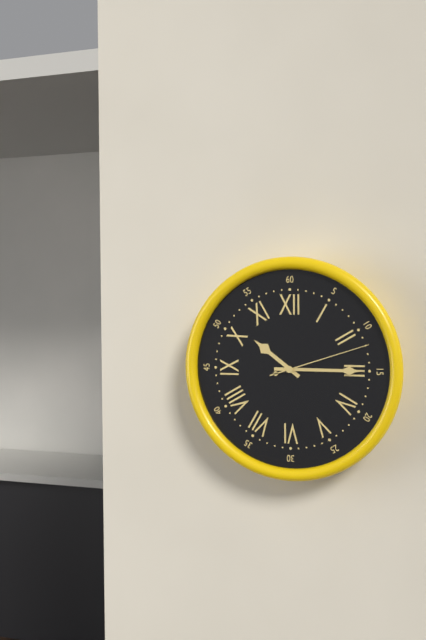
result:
{"hour": 10, "minute": 15, "second": 12}
